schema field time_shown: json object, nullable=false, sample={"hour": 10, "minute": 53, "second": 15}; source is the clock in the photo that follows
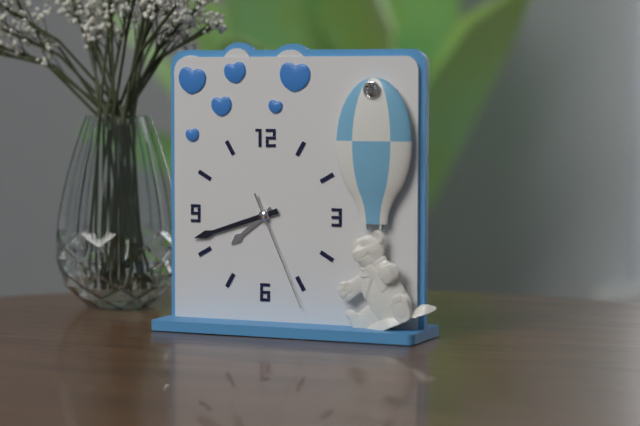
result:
{"hour": 7, "minute": 42, "second": 26}
